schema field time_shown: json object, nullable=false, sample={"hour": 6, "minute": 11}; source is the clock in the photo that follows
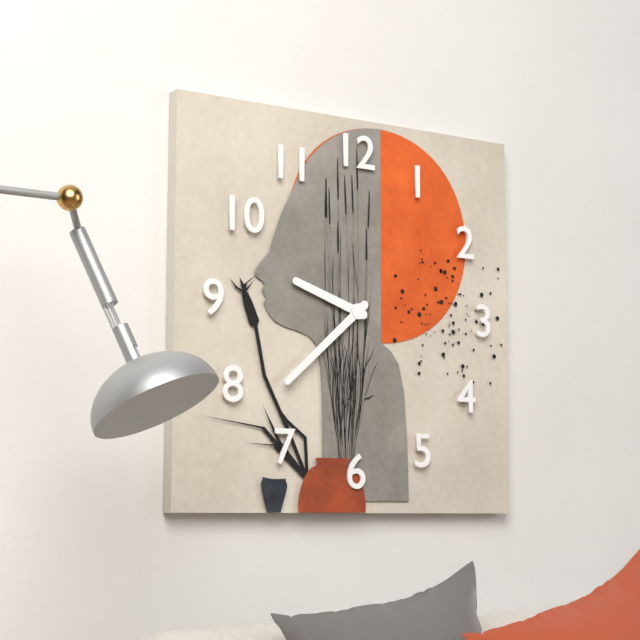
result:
{"hour": 9, "minute": 38}
